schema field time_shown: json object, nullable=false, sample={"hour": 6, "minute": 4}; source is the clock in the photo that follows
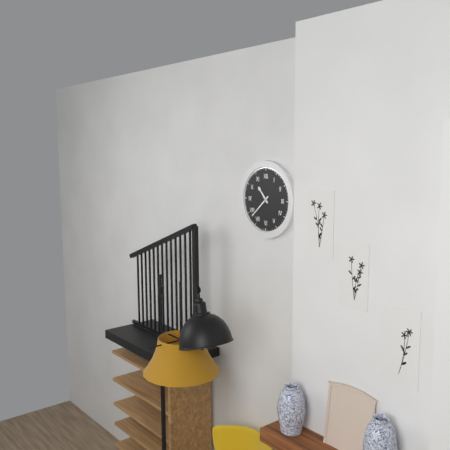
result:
{"hour": 10, "minute": 38}
